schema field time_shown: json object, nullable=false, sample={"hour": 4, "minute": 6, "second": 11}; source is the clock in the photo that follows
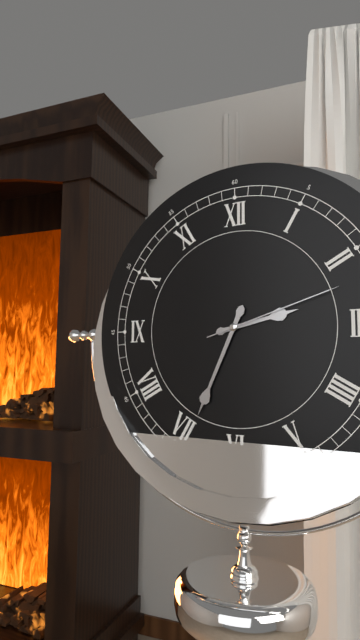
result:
{"hour": 2, "minute": 34, "second": 12}
